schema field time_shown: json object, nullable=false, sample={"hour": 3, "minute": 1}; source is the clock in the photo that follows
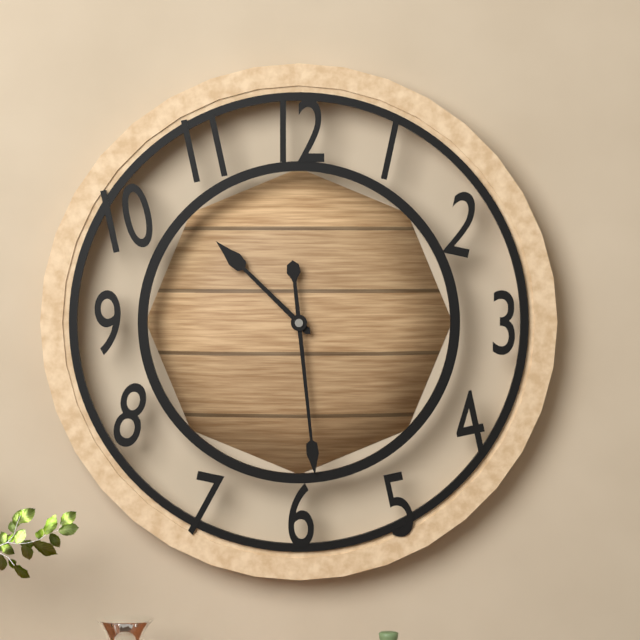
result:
{"hour": 10, "minute": 29}
